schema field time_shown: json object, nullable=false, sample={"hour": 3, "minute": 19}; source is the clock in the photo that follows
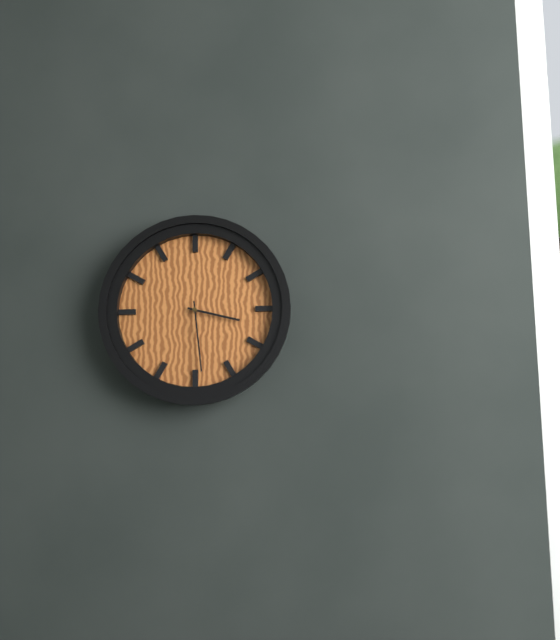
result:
{"hour": 3, "minute": 29}
